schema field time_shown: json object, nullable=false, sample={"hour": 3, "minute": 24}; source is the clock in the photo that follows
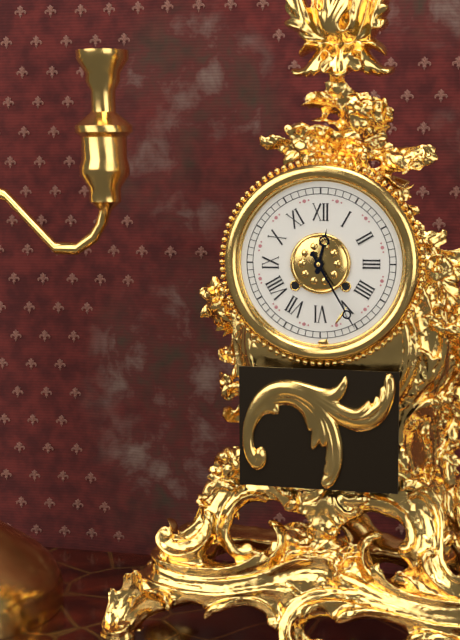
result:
{"hour": 12, "minute": 25}
